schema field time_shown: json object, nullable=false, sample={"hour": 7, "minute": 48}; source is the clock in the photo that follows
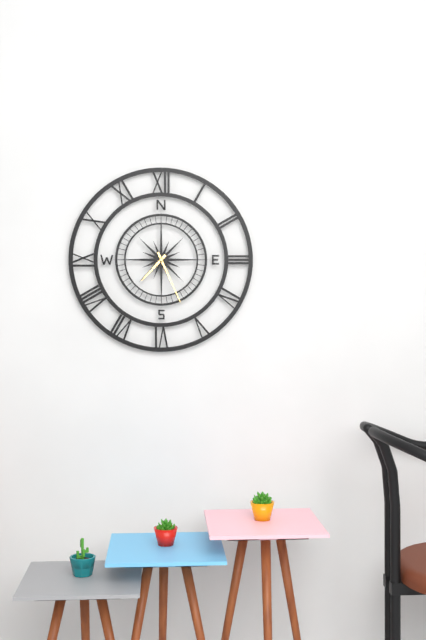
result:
{"hour": 7, "minute": 26}
